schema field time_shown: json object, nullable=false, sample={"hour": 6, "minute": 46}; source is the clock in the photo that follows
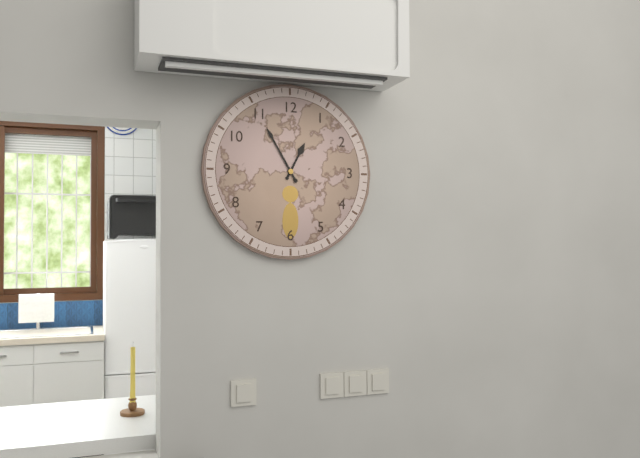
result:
{"hour": 12, "minute": 55}
